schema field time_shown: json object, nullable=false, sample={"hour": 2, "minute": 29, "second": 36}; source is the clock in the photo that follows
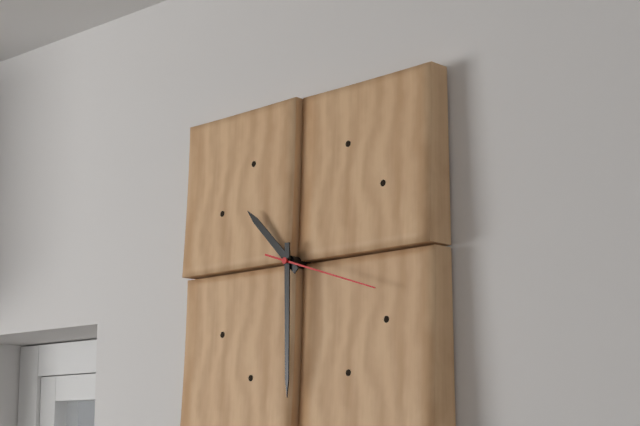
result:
{"hour": 10, "minute": 30, "second": 18}
